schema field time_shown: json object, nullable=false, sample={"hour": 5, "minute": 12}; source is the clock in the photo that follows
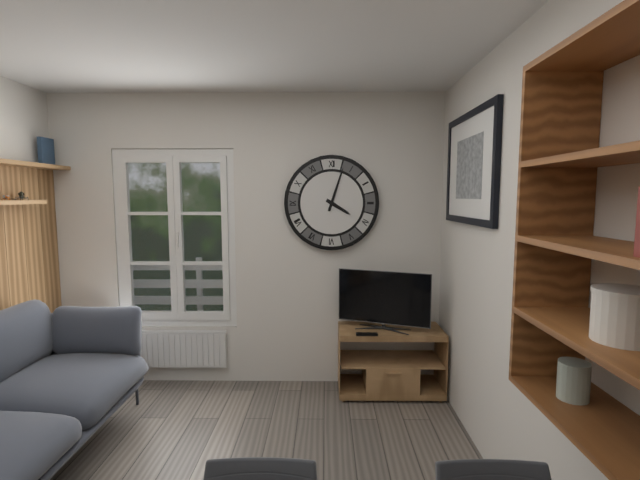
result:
{"hour": 4, "minute": 3}
